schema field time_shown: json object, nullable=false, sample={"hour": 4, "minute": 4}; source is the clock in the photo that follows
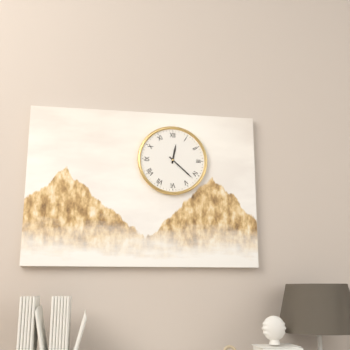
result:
{"hour": 12, "minute": 22}
